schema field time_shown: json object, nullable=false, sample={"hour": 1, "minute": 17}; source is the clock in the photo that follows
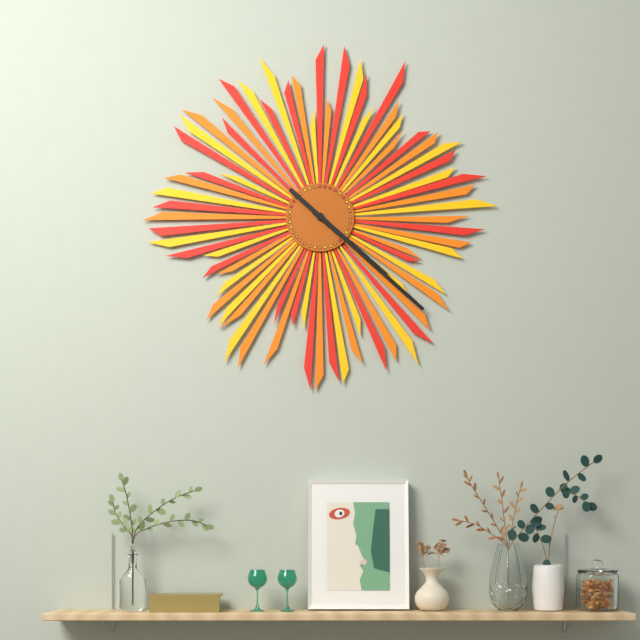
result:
{"hour": 4, "minute": 22}
